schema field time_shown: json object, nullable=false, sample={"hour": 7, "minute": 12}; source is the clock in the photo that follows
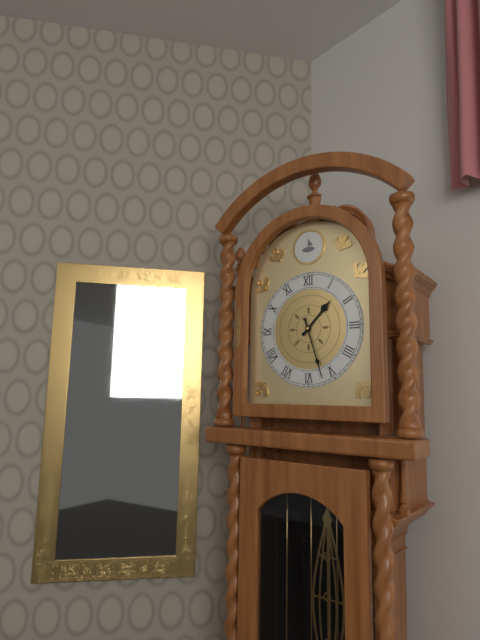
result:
{"hour": 1, "minute": 27}
